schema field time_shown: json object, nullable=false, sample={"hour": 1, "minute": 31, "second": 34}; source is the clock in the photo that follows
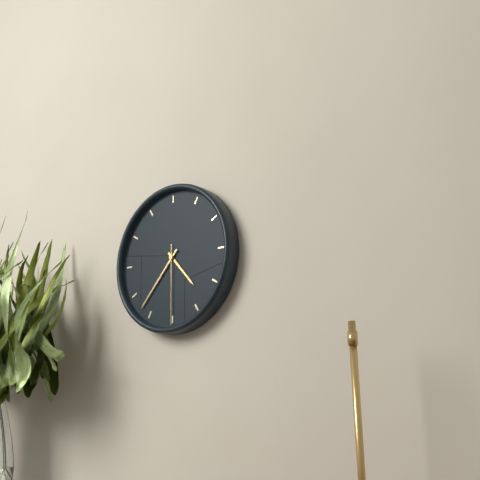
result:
{"hour": 4, "minute": 37, "second": 30}
